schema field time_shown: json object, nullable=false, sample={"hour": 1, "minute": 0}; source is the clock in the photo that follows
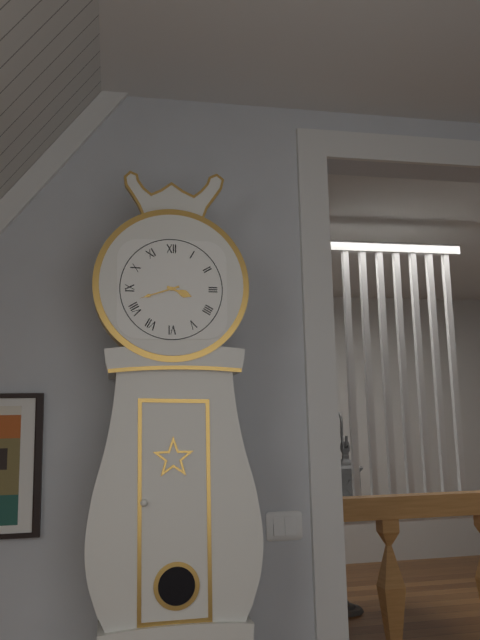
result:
{"hour": 3, "minute": 42}
